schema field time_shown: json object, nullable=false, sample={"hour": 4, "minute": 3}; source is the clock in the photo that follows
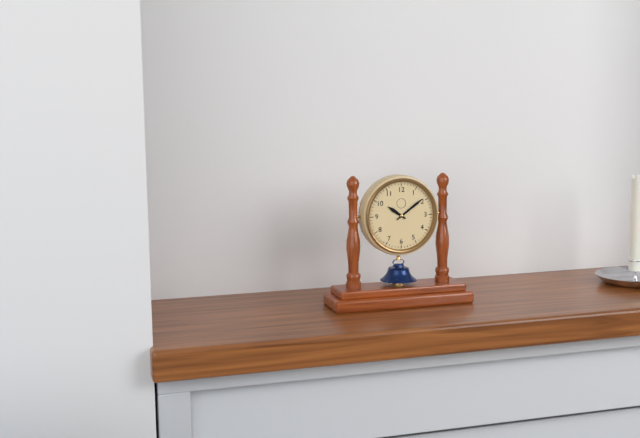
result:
{"hour": 10, "minute": 9}
